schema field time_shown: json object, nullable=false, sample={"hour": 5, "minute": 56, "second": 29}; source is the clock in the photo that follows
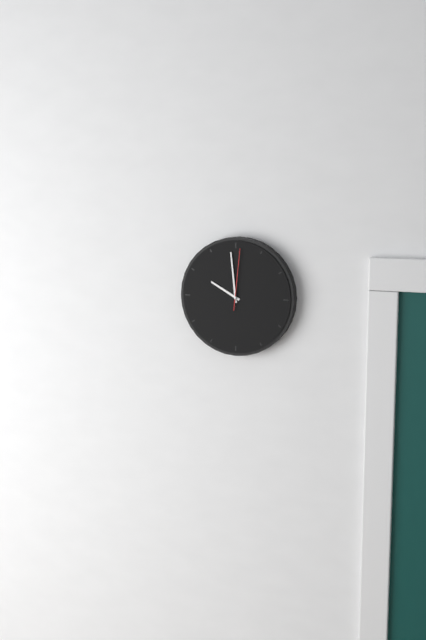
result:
{"hour": 9, "minute": 59, "second": 1}
